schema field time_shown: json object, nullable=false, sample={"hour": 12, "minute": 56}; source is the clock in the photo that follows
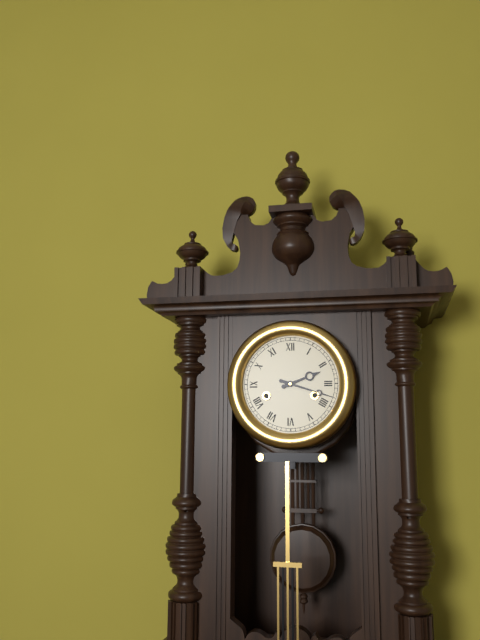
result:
{"hour": 2, "minute": 18}
